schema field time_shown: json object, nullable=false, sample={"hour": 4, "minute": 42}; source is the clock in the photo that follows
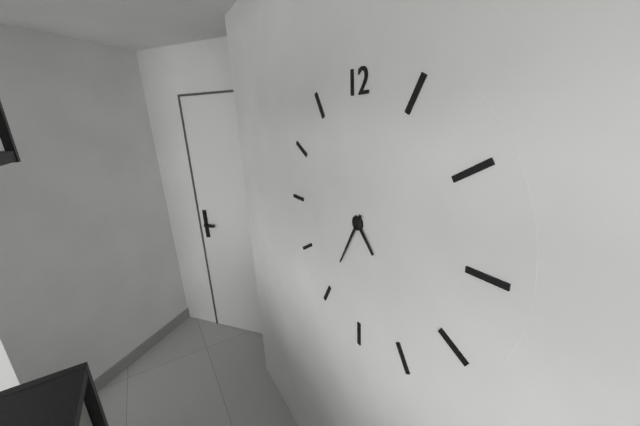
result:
{"hour": 4, "minute": 35}
